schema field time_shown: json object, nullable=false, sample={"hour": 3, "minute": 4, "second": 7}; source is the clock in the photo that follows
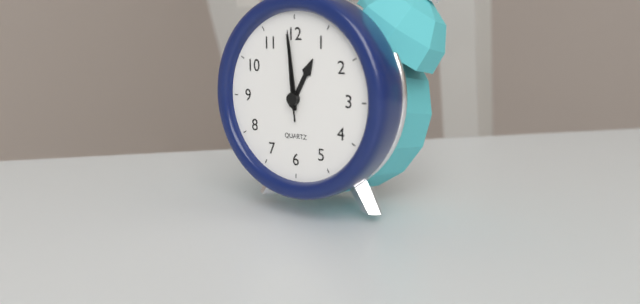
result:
{"hour": 12, "minute": 59, "second": 59}
